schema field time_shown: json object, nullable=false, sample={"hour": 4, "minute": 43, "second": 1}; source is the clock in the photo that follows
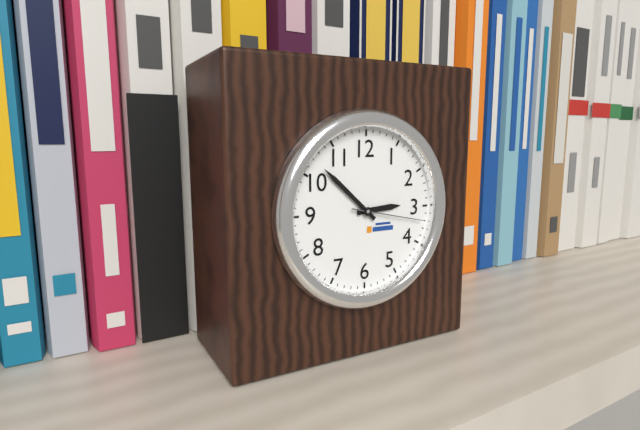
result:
{"hour": 2, "minute": 52, "second": 17}
